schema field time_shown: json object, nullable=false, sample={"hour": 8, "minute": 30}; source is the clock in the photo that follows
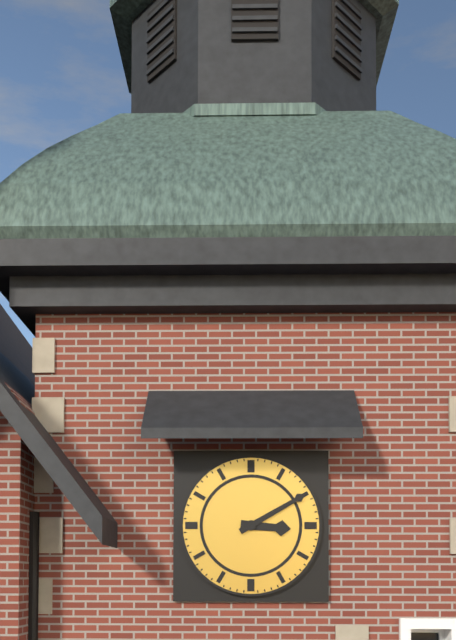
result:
{"hour": 3, "minute": 10}
